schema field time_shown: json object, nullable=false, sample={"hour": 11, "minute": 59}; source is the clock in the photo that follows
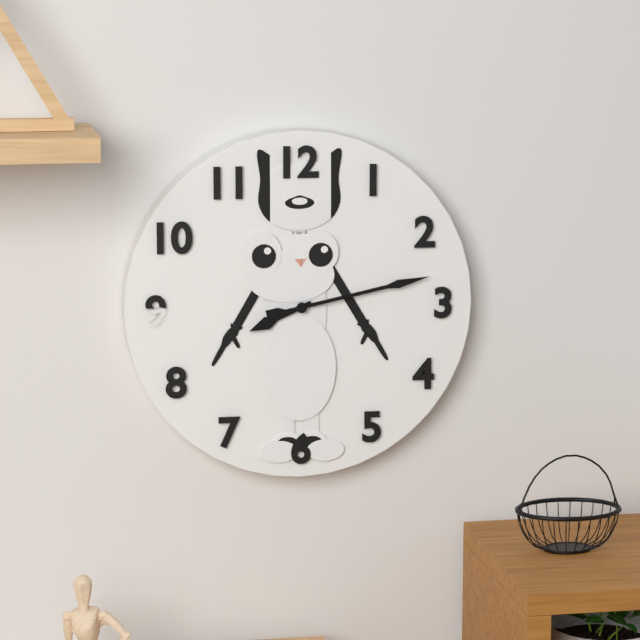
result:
{"hour": 8, "minute": 13}
